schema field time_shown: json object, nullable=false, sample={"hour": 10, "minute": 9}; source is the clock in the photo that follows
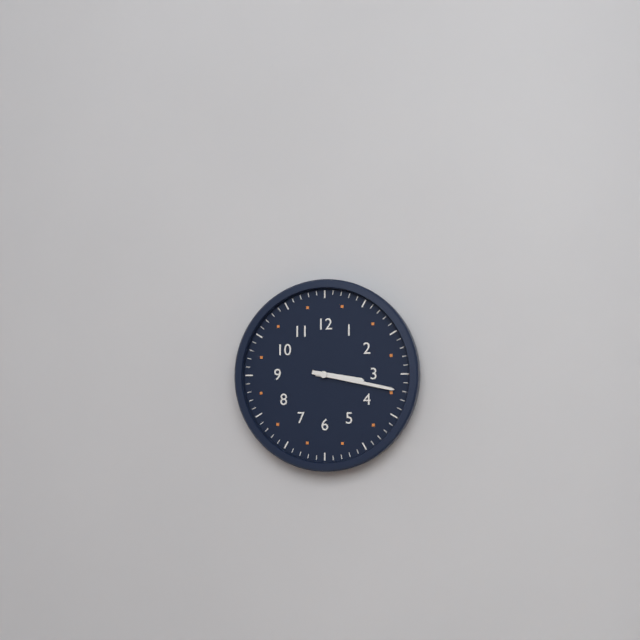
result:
{"hour": 3, "minute": 17}
